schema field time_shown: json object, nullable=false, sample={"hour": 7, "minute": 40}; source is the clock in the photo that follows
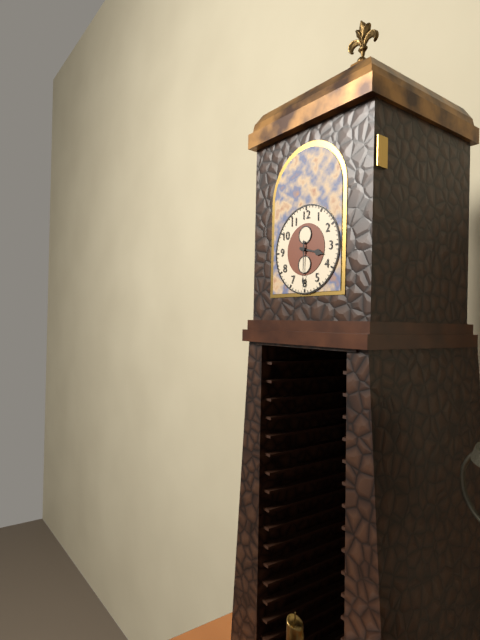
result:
{"hour": 3, "minute": 30}
